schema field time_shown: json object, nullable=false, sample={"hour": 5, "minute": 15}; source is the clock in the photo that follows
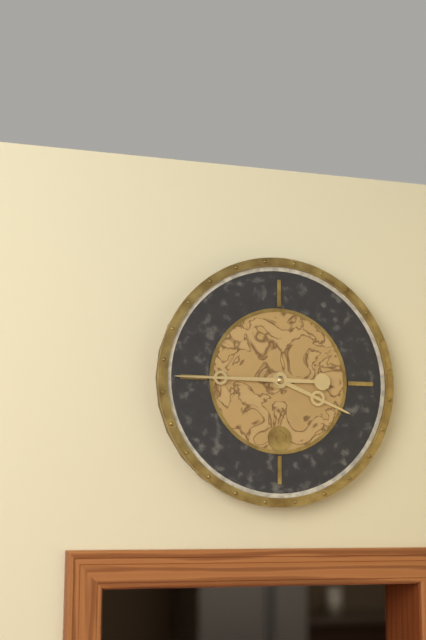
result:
{"hour": 3, "minute": 45}
